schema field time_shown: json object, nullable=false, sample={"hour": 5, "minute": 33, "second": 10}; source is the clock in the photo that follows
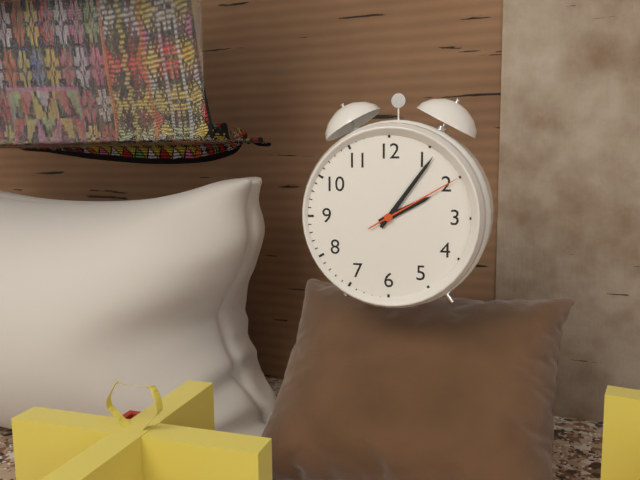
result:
{"hour": 2, "minute": 6, "second": 10}
